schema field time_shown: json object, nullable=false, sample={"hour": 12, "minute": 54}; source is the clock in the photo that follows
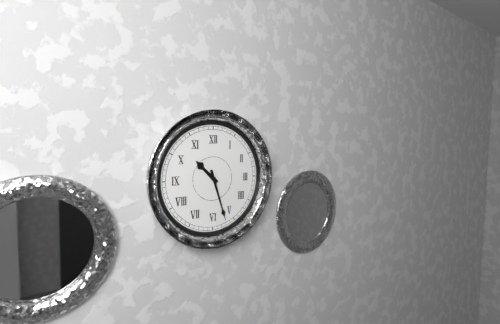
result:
{"hour": 10, "minute": 27}
